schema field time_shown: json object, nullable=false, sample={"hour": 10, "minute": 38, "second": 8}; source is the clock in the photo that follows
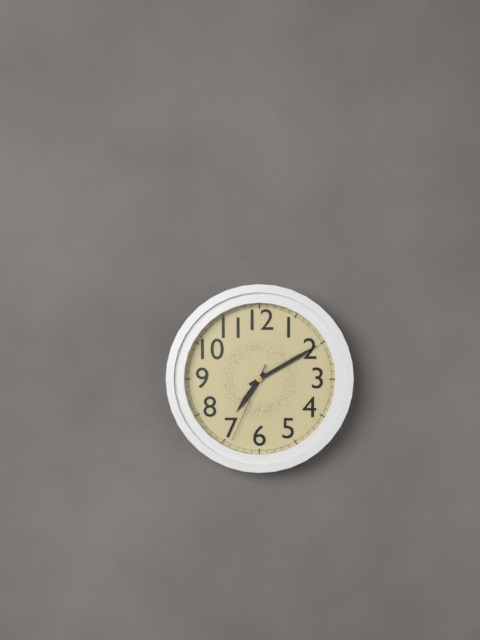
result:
{"hour": 7, "minute": 10, "second": 34}
